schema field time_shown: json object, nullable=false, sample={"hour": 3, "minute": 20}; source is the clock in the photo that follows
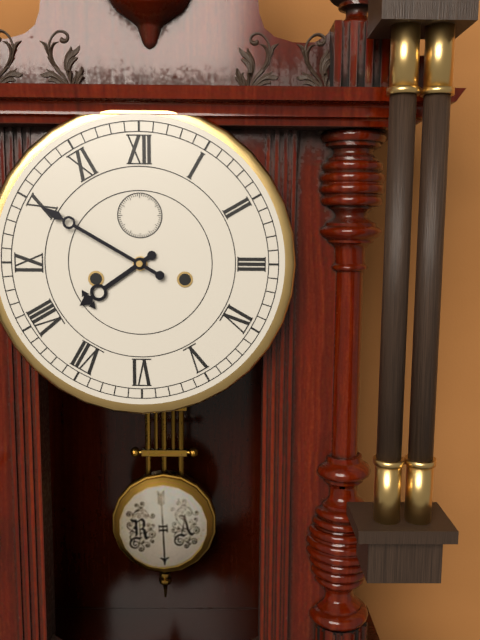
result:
{"hour": 7, "minute": 50}
